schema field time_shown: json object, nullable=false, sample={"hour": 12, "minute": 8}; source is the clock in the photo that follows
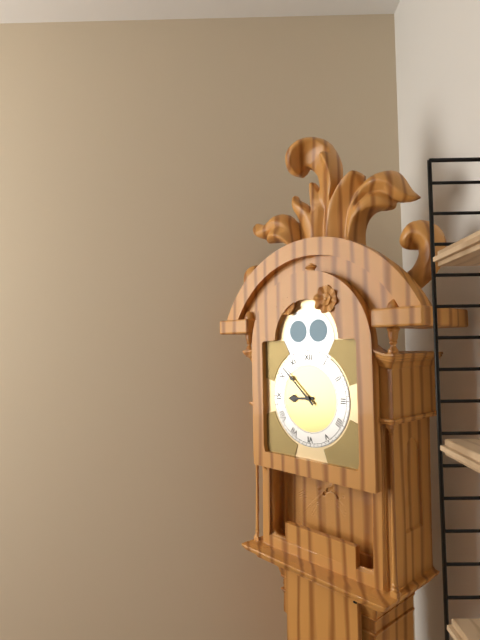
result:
{"hour": 8, "minute": 52}
